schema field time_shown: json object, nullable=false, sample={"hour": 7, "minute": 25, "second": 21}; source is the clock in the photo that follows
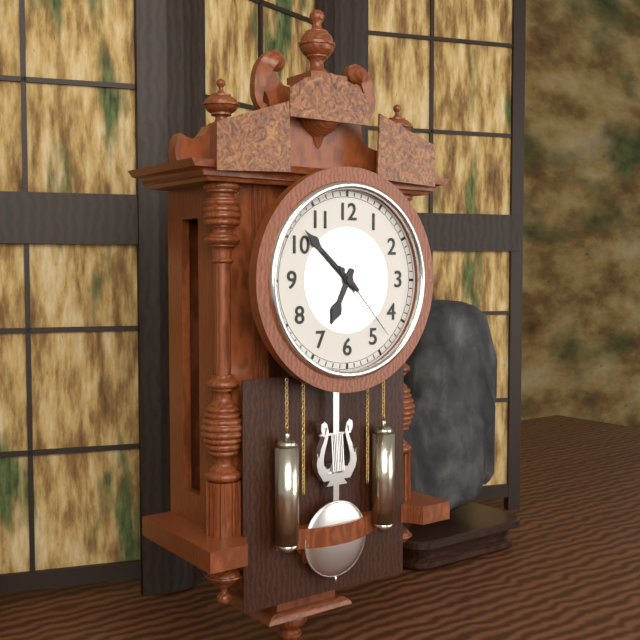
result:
{"hour": 6, "minute": 52, "second": 23}
